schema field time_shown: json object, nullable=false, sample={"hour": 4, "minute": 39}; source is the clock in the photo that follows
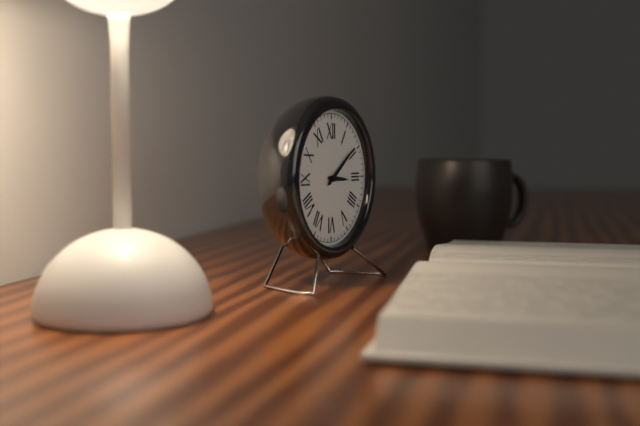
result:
{"hour": 3, "minute": 9}
